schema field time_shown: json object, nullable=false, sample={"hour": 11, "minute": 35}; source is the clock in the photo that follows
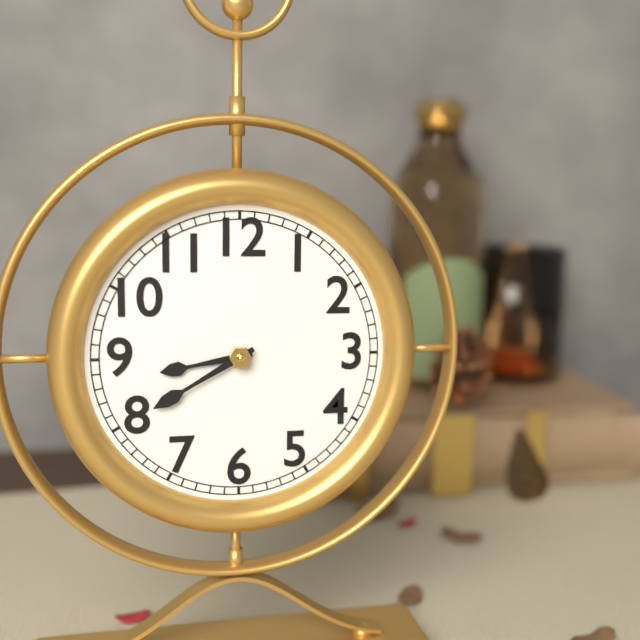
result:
{"hour": 8, "minute": 40}
